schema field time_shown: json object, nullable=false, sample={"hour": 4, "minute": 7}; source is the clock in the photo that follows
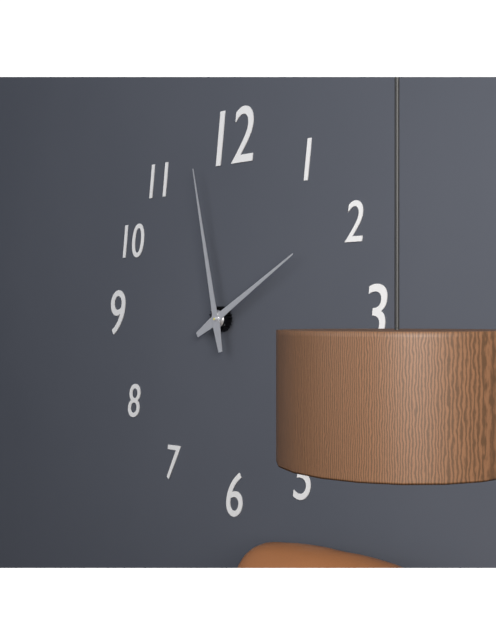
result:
{"hour": 1, "minute": 58}
